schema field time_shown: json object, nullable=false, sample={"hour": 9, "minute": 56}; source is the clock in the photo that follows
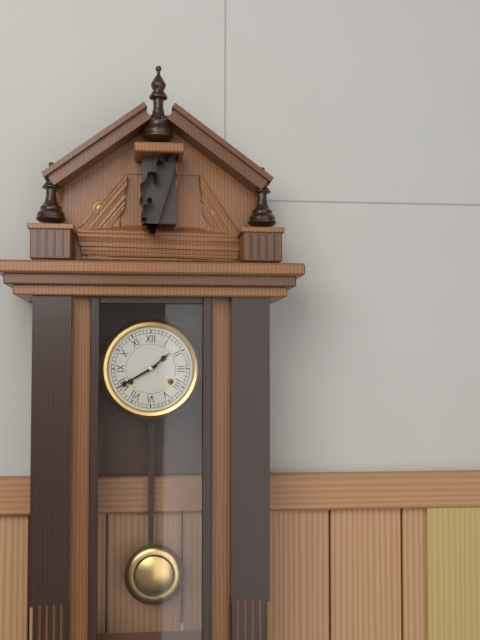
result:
{"hour": 1, "minute": 40}
